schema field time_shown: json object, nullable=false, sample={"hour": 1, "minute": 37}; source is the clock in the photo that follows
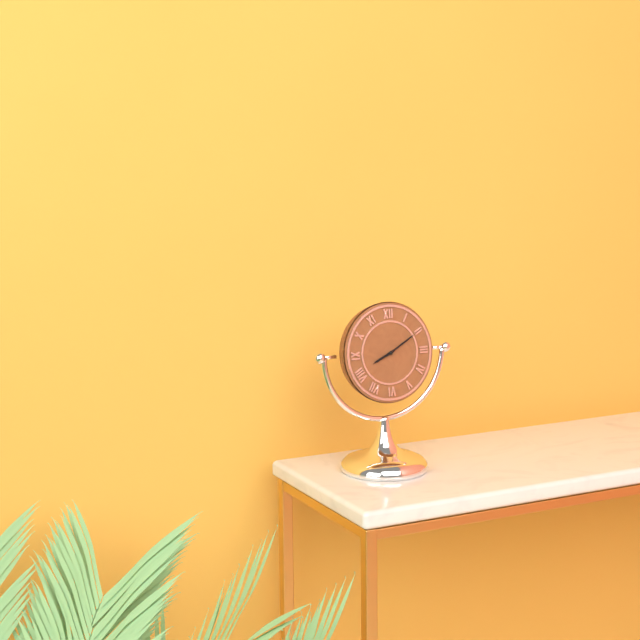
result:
{"hour": 8, "minute": 10}
